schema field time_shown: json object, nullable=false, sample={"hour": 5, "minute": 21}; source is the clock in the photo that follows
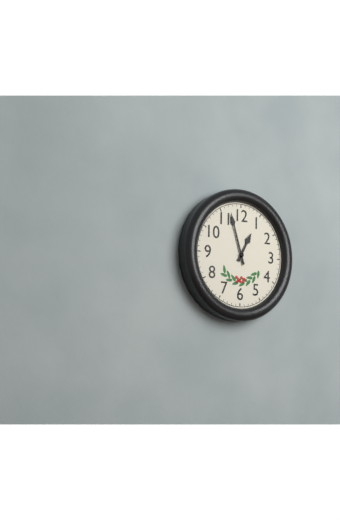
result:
{"hour": 12, "minute": 57}
